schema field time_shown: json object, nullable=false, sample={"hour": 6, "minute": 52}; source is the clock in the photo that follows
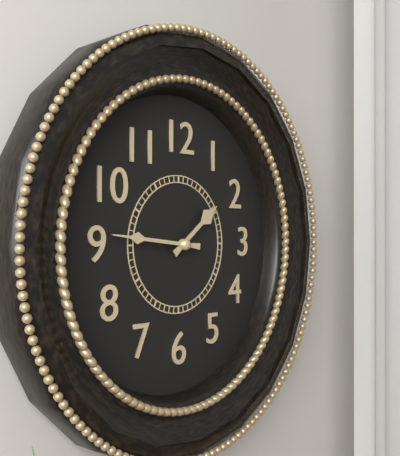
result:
{"hour": 1, "minute": 46}
